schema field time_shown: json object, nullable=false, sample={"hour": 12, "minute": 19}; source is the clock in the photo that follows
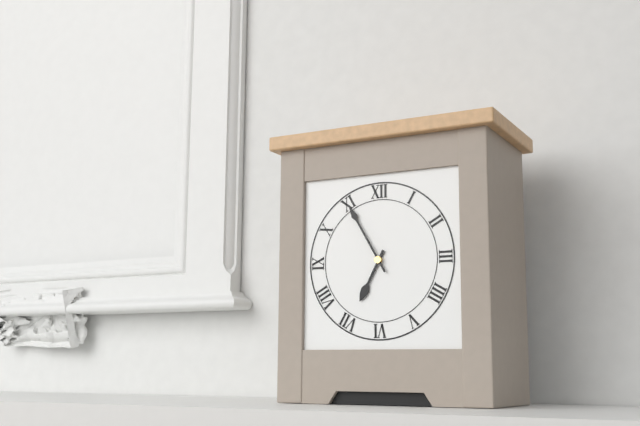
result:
{"hour": 6, "minute": 55}
